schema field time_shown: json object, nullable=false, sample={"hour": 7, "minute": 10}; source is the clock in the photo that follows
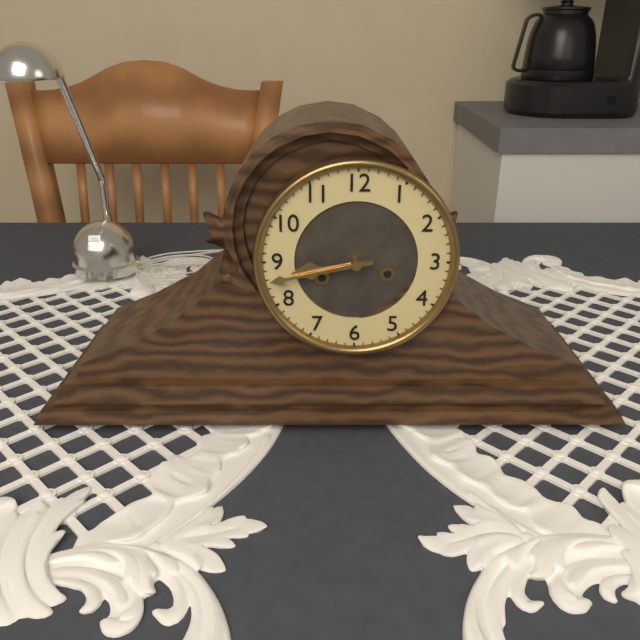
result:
{"hour": 8, "minute": 43}
